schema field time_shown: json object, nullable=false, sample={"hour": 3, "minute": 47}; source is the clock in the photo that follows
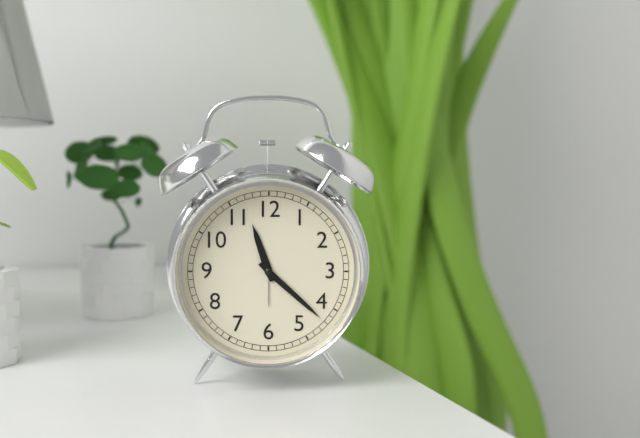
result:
{"hour": 11, "minute": 22}
